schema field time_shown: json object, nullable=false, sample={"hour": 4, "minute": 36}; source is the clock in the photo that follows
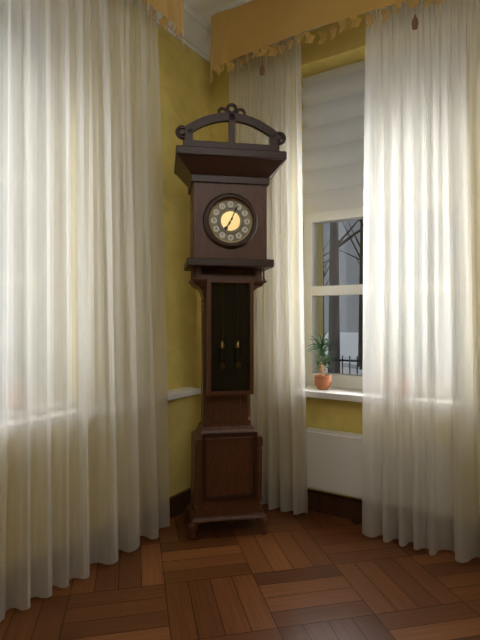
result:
{"hour": 7, "minute": 4}
